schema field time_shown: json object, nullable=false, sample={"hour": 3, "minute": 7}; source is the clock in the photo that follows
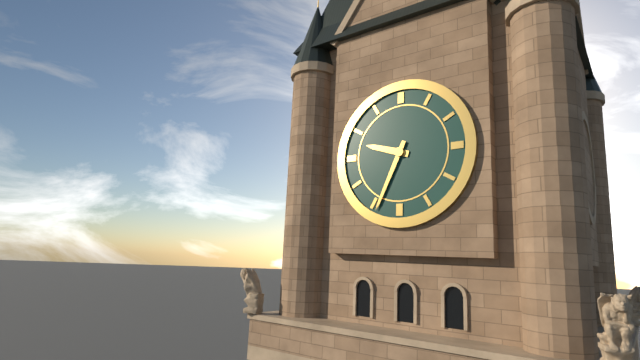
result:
{"hour": 9, "minute": 34}
